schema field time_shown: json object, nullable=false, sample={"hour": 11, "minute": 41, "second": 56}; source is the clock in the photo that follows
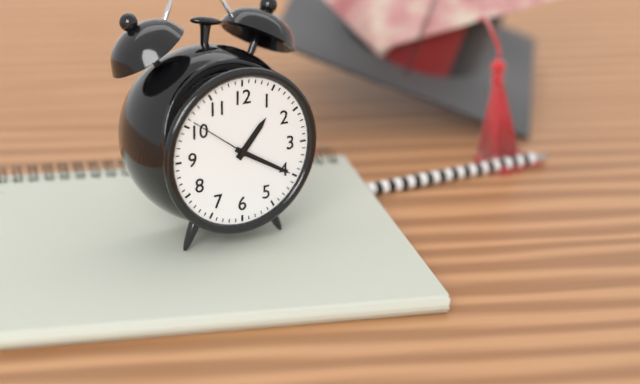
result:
{"hour": 1, "minute": 20, "second": 51}
